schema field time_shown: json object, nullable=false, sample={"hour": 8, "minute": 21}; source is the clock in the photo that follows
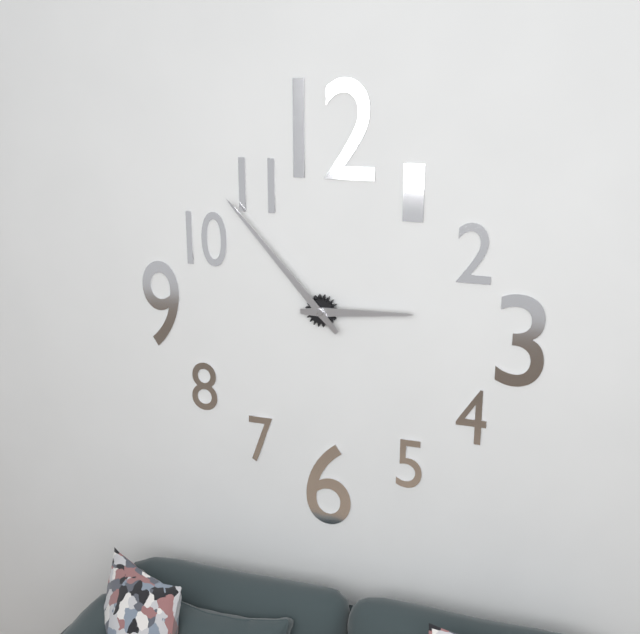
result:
{"hour": 2, "minute": 53}
